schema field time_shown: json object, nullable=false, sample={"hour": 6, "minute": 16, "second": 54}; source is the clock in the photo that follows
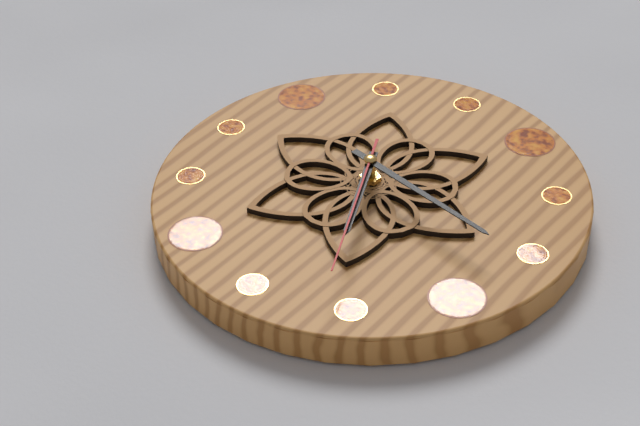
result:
{"hour": 4, "minute": 12, "second": 21}
